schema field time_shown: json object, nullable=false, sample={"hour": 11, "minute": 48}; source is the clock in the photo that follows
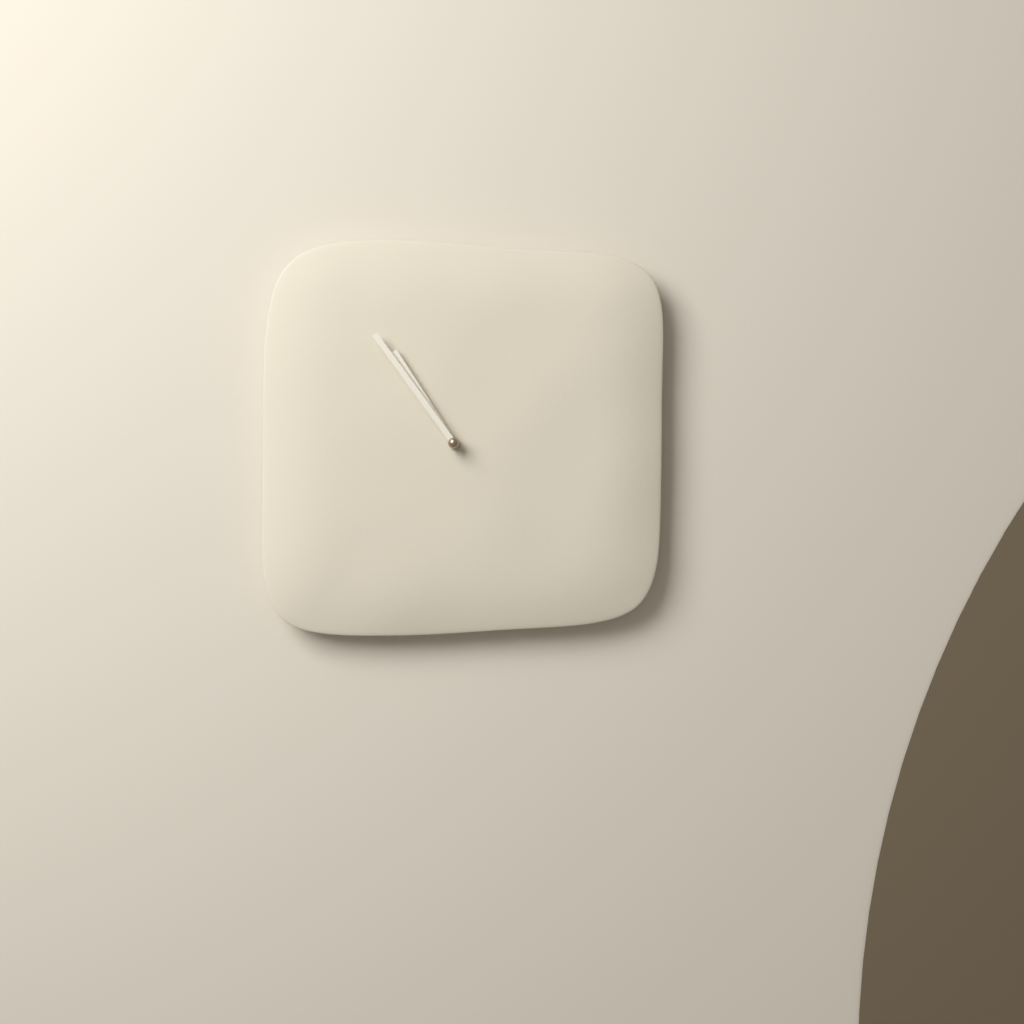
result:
{"hour": 10, "minute": 54}
